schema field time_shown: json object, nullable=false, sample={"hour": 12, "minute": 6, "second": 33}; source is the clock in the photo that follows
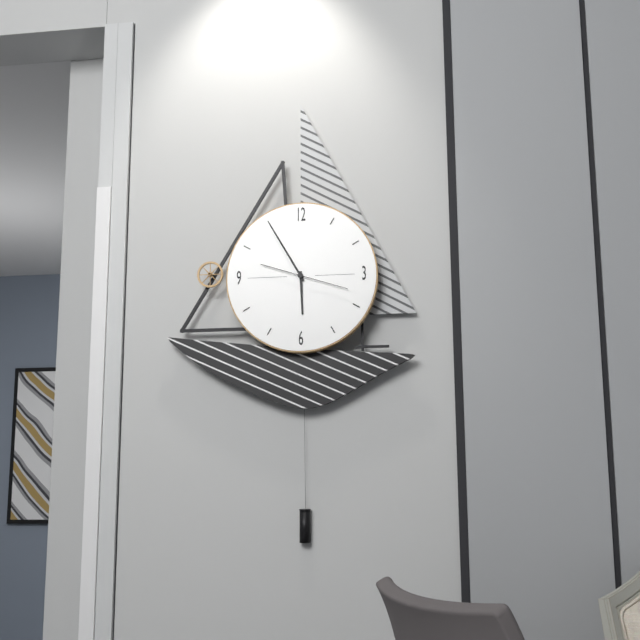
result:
{"hour": 5, "minute": 55, "second": 18}
